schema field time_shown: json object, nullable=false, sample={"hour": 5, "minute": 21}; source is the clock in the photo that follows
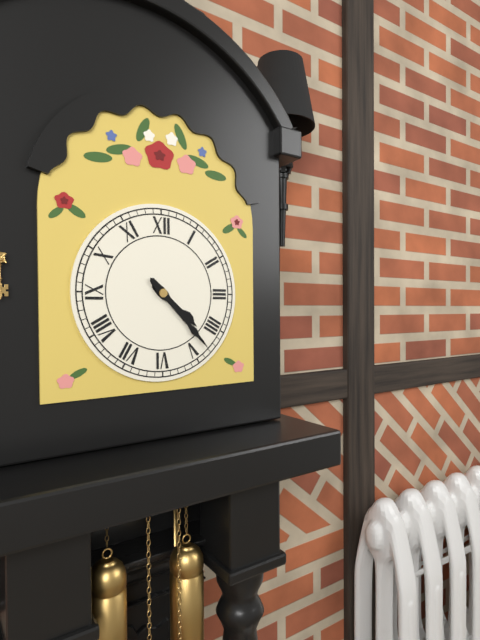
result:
{"hour": 4, "minute": 23}
